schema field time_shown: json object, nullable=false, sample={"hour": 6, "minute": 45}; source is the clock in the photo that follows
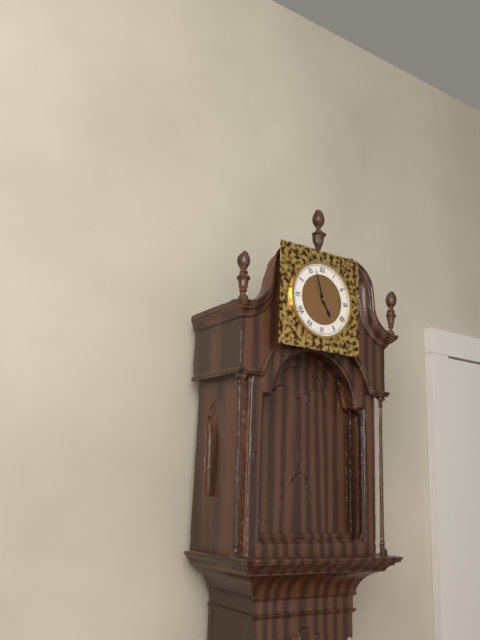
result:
{"hour": 4, "minute": 57}
